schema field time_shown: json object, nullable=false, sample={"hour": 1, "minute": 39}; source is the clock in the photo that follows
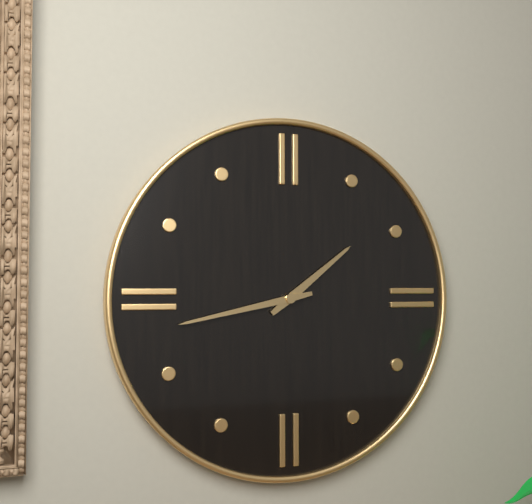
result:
{"hour": 1, "minute": 43}
